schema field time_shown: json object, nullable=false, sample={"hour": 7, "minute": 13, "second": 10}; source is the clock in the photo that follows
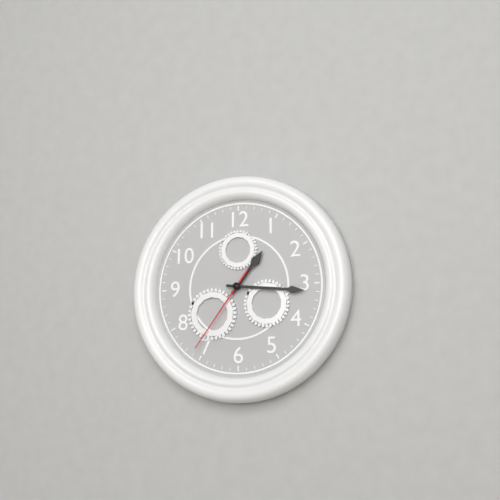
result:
{"hour": 1, "minute": 16, "second": 36}
